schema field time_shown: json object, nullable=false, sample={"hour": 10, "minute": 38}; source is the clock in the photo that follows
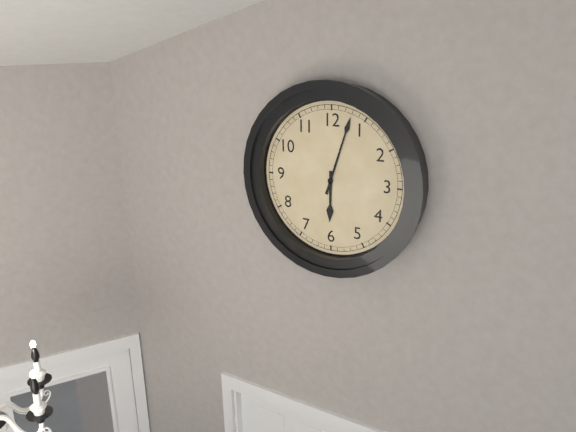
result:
{"hour": 6, "minute": 3}
